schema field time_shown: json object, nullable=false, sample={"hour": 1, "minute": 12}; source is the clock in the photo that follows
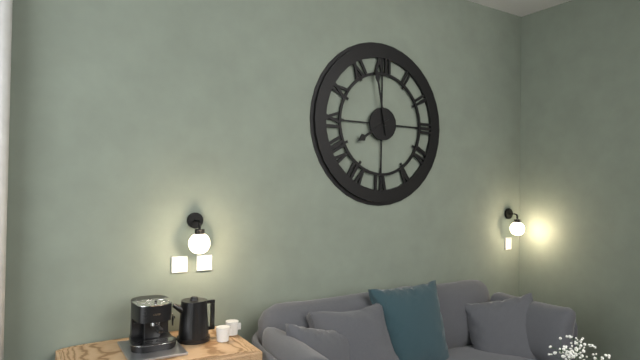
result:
{"hour": 7, "minute": 58}
